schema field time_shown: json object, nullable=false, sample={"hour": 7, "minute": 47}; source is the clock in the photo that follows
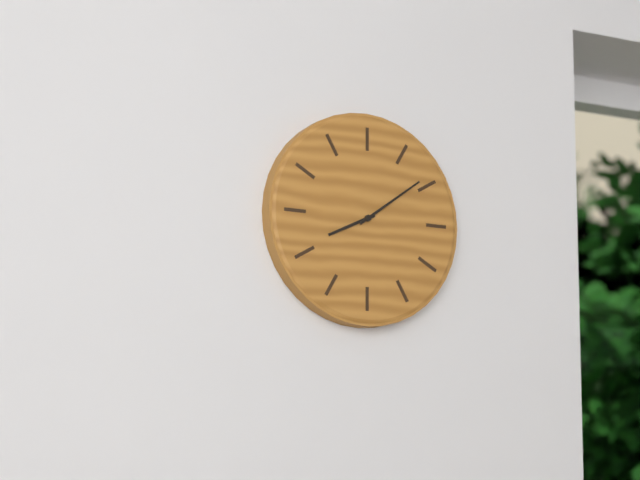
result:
{"hour": 8, "minute": 9}
